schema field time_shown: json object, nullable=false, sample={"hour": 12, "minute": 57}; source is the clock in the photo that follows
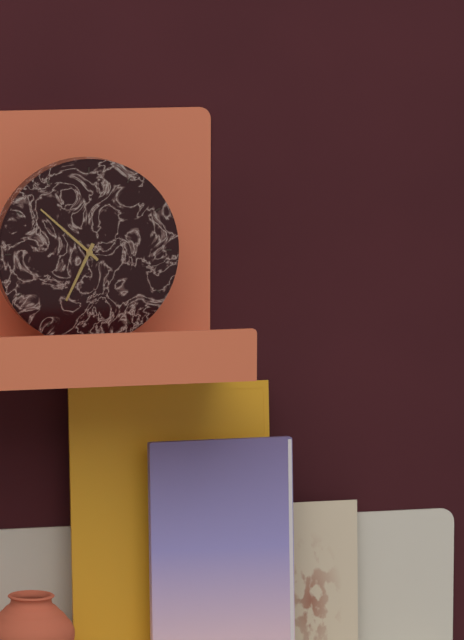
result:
{"hour": 6, "minute": 52}
